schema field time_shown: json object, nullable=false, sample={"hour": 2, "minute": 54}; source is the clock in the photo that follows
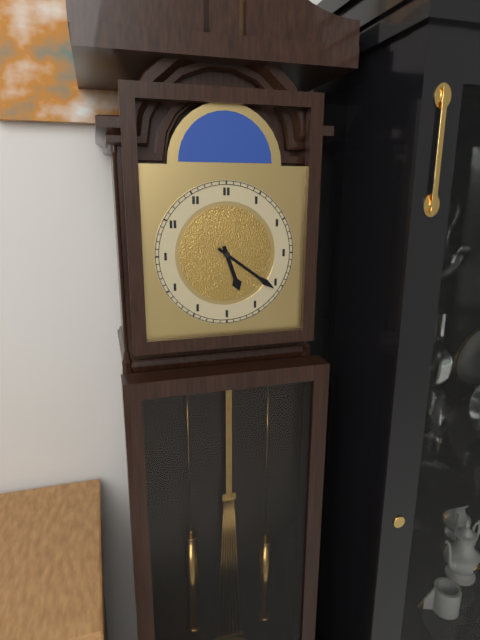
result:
{"hour": 5, "minute": 21}
